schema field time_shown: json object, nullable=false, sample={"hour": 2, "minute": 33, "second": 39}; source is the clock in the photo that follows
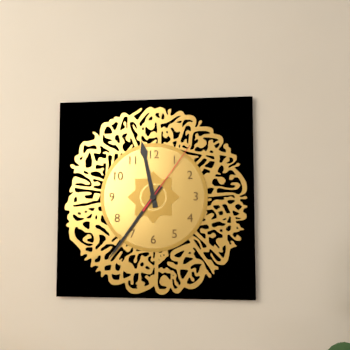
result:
{"hour": 11, "minute": 36, "second": 6}
